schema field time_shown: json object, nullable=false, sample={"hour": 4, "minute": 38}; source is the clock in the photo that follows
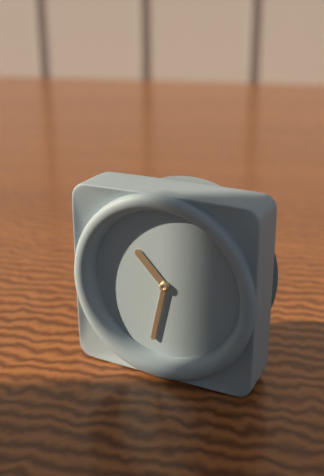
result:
{"hour": 10, "minute": 32}
